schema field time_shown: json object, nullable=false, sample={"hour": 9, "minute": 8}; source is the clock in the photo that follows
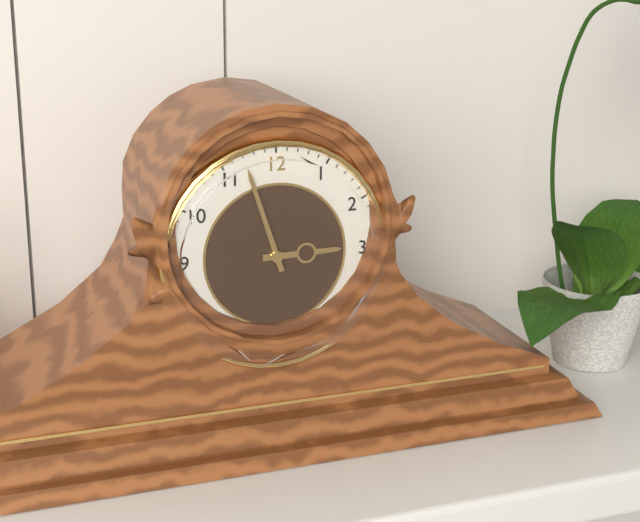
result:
{"hour": 2, "minute": 57}
